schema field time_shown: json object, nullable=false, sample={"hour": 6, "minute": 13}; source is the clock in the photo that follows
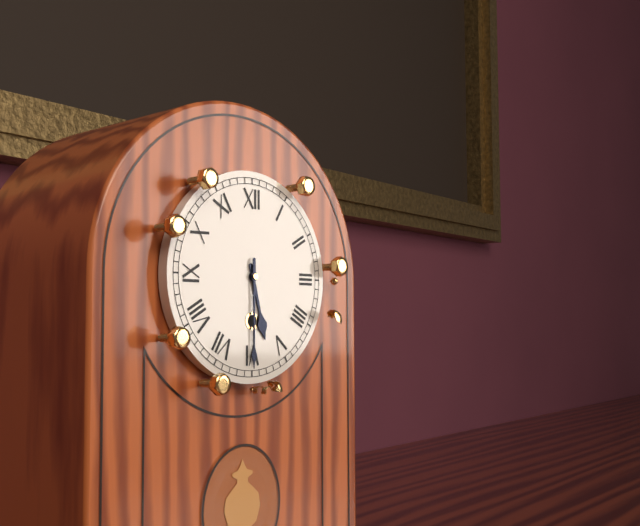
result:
{"hour": 5, "minute": 30}
